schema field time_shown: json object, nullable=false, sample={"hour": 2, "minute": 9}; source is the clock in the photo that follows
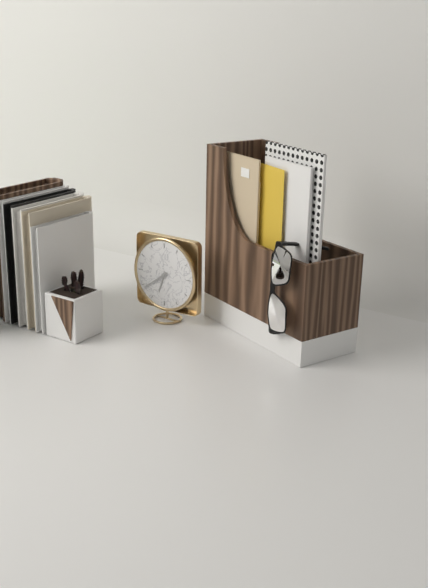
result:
{"hour": 6, "minute": 39}
